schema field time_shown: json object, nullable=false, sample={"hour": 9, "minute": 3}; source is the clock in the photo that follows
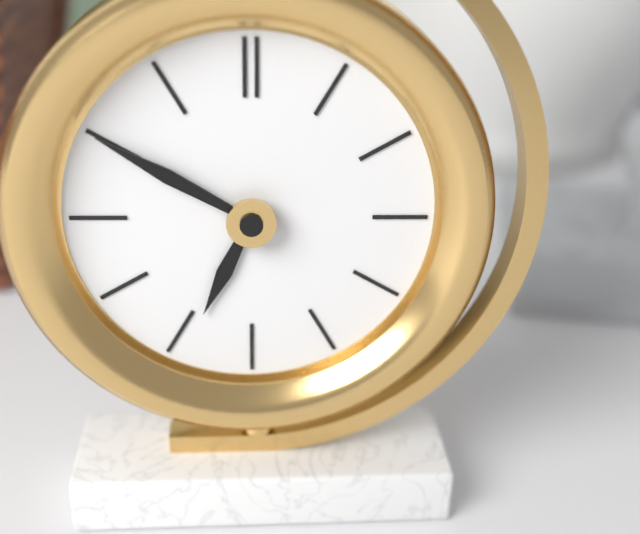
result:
{"hour": 6, "minute": 50}
